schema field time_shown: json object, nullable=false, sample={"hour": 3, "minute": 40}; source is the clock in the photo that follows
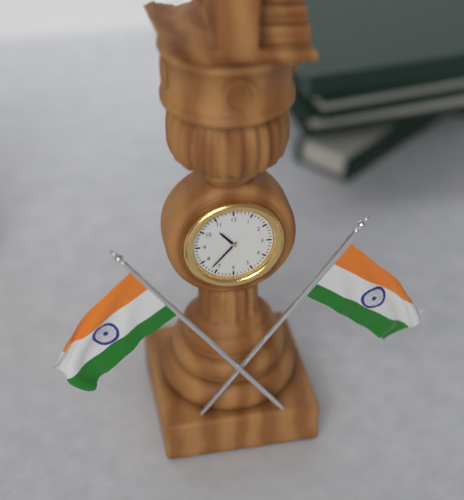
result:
{"hour": 10, "minute": 37}
